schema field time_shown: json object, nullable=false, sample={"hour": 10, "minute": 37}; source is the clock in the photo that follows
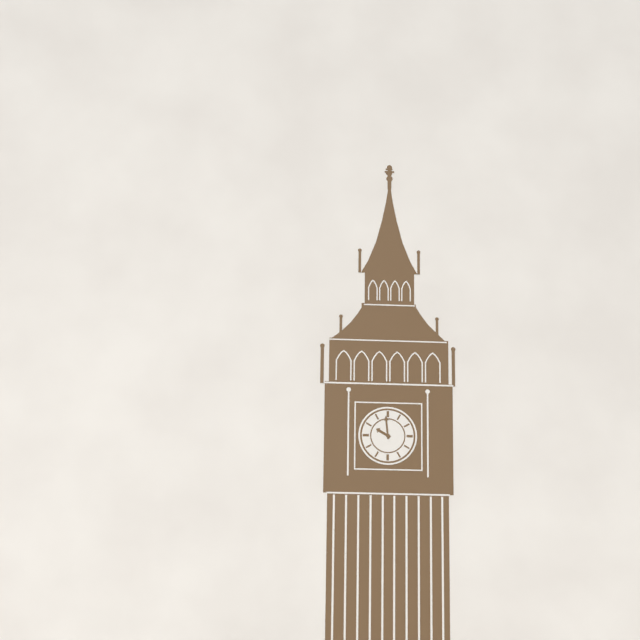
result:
{"hour": 9, "minute": 59}
